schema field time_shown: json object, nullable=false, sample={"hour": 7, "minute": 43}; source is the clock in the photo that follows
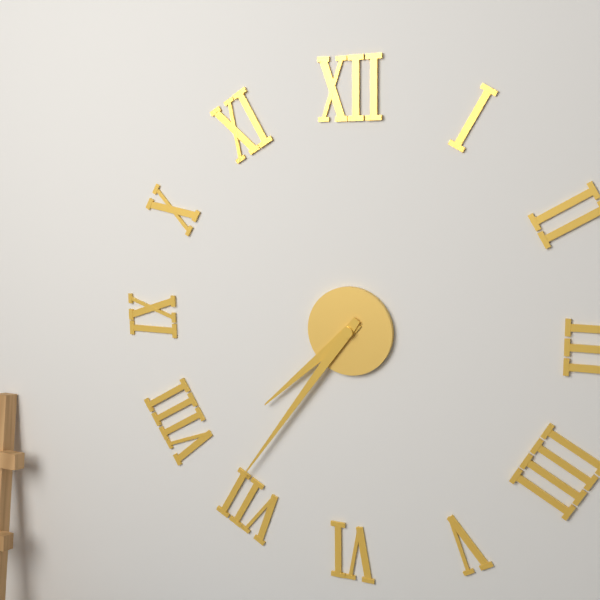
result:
{"hour": 7, "minute": 36}
